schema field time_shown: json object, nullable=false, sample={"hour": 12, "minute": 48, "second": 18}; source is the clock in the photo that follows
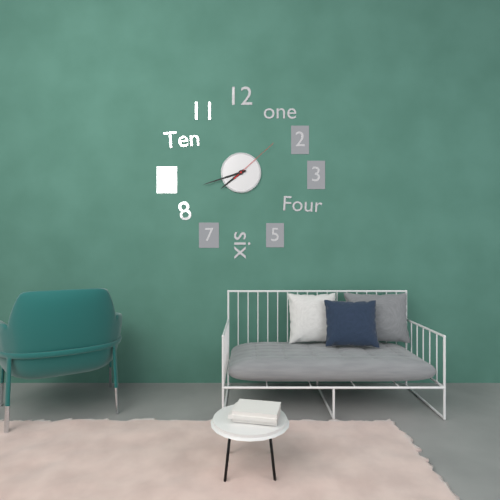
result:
{"hour": 7, "minute": 42, "second": 8}
